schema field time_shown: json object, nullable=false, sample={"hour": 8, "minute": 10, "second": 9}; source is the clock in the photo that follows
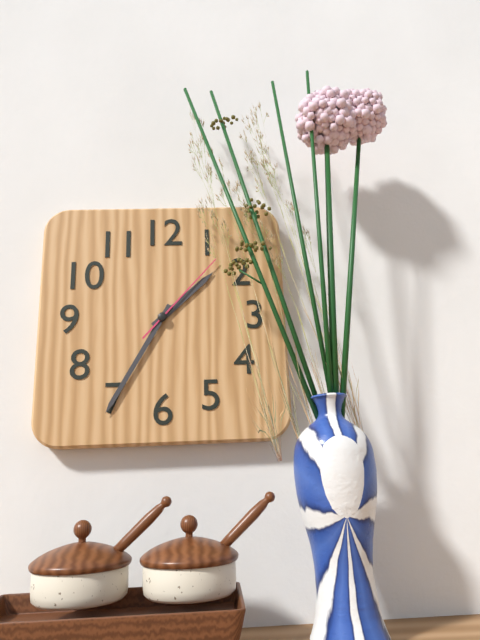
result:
{"hour": 1, "minute": 35, "second": 7}
